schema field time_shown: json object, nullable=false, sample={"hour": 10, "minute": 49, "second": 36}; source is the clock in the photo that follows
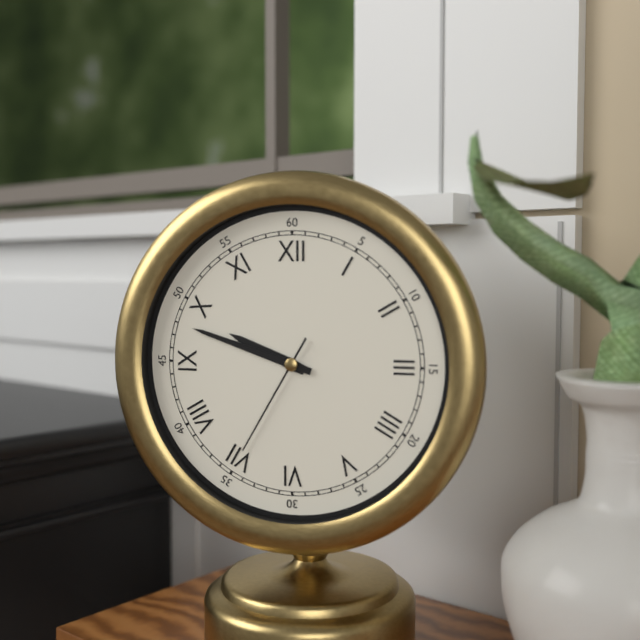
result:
{"hour": 9, "minute": 48, "second": 35}
